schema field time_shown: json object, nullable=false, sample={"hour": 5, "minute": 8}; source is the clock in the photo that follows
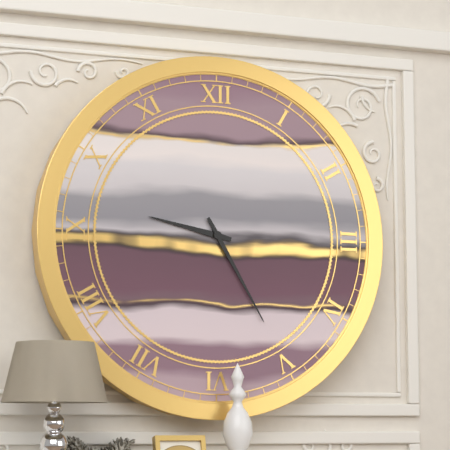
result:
{"hour": 9, "minute": 25}
